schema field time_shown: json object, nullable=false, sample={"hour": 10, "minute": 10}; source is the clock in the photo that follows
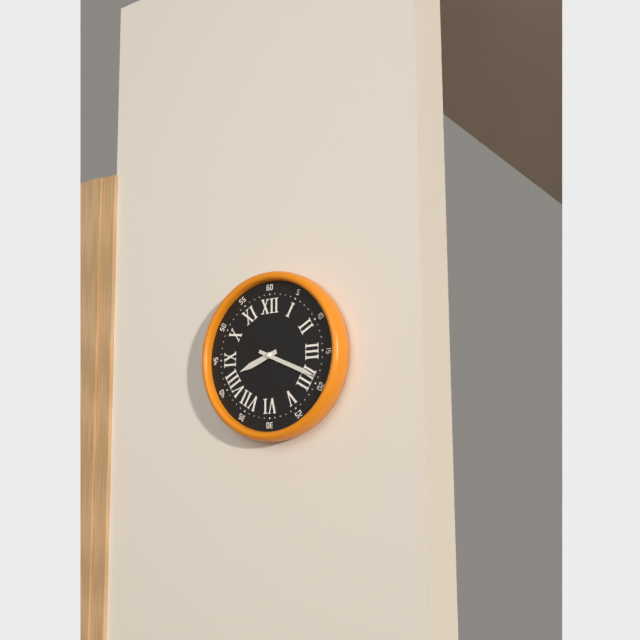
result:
{"hour": 8, "minute": 19}
